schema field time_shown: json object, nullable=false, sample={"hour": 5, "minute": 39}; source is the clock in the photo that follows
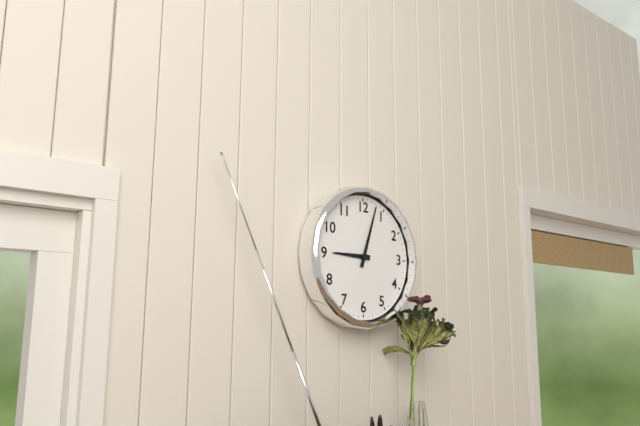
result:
{"hour": 9, "minute": 3}
